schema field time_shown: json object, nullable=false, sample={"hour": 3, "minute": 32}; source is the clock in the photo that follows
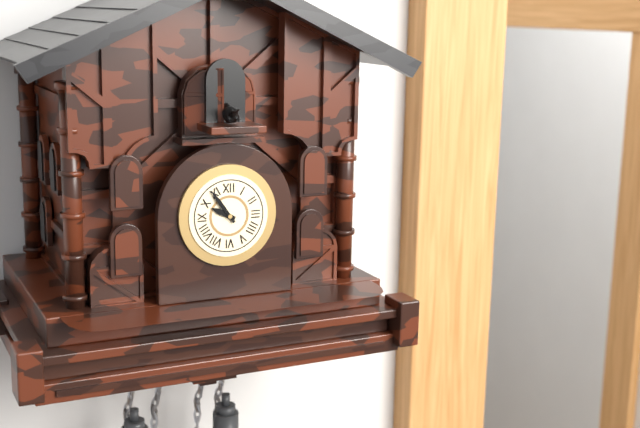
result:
{"hour": 9, "minute": 54}
